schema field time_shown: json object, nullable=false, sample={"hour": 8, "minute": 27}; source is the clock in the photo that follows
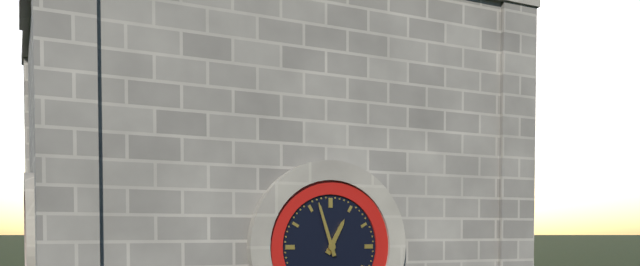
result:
{"hour": 12, "minute": 57}
